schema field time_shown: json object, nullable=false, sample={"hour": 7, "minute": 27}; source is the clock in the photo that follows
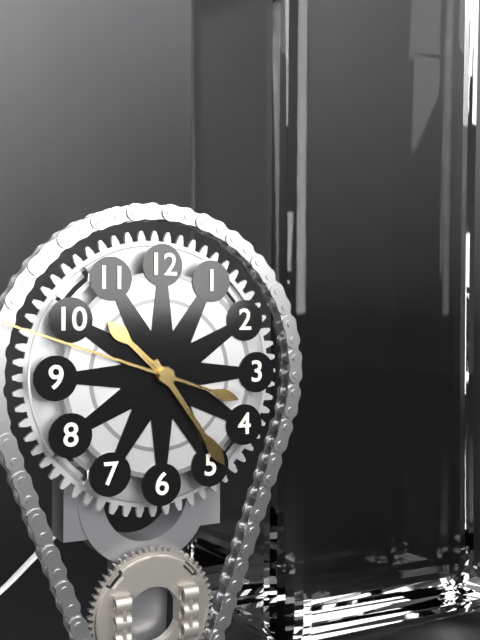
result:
{"hour": 10, "minute": 24}
